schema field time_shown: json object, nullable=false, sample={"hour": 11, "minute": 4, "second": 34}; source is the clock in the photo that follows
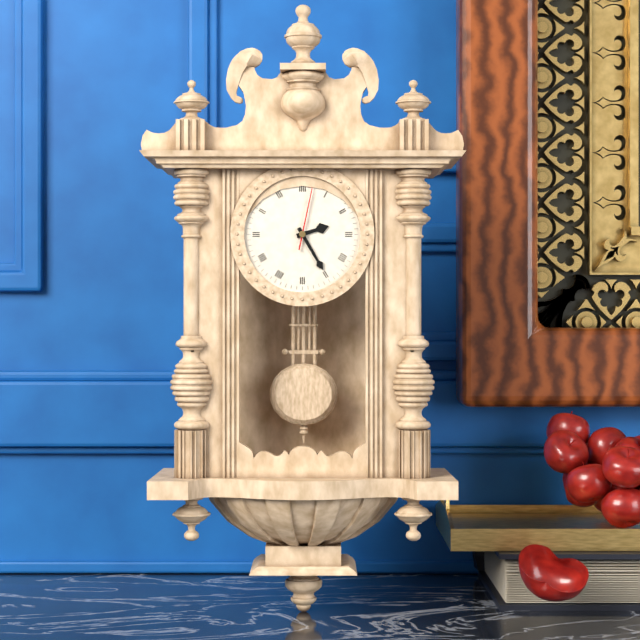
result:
{"hour": 2, "minute": 25, "second": 2}
